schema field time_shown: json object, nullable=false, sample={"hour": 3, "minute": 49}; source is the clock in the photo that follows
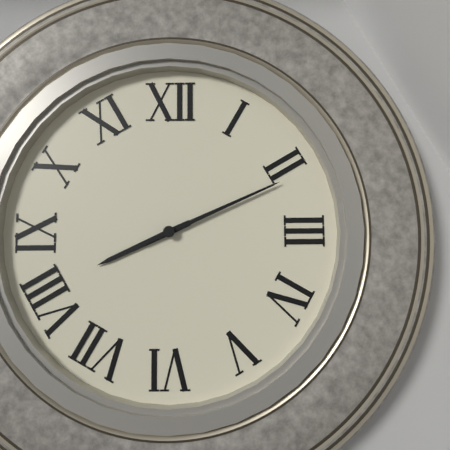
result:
{"hour": 8, "minute": 11}
